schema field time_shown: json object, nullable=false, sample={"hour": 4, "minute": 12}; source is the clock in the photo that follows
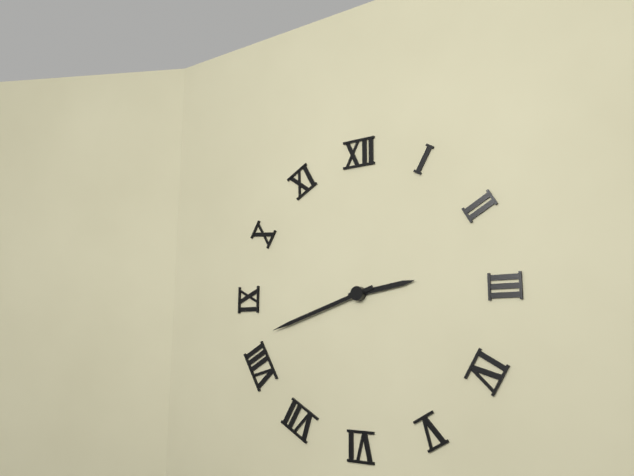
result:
{"hour": 2, "minute": 42}
